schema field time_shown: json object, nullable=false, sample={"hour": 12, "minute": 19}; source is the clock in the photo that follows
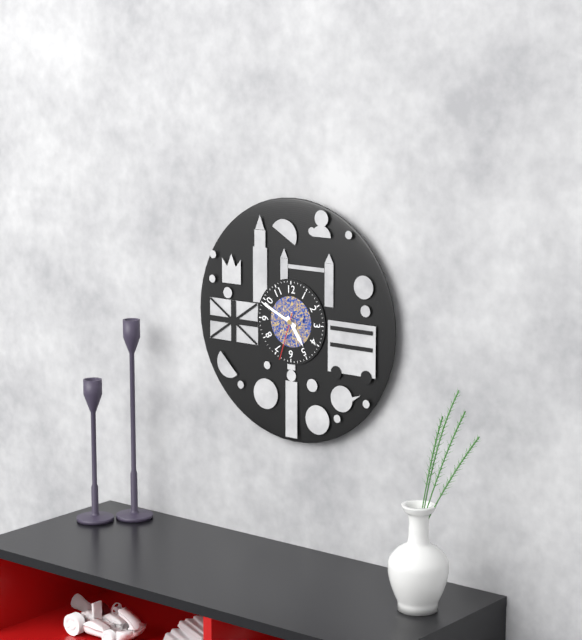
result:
{"hour": 4, "minute": 49}
